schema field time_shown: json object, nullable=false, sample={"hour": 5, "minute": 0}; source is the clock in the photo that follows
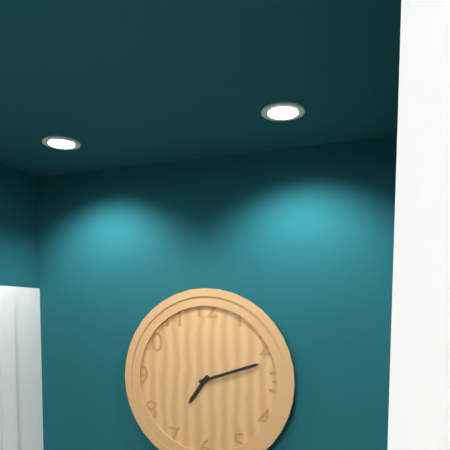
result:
{"hour": 7, "minute": 12}
